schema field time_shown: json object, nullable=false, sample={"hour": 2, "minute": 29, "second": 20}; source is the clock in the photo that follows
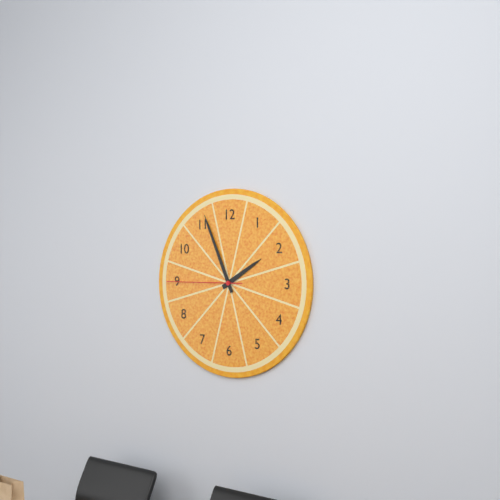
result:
{"hour": 1, "minute": 56, "second": 45}
